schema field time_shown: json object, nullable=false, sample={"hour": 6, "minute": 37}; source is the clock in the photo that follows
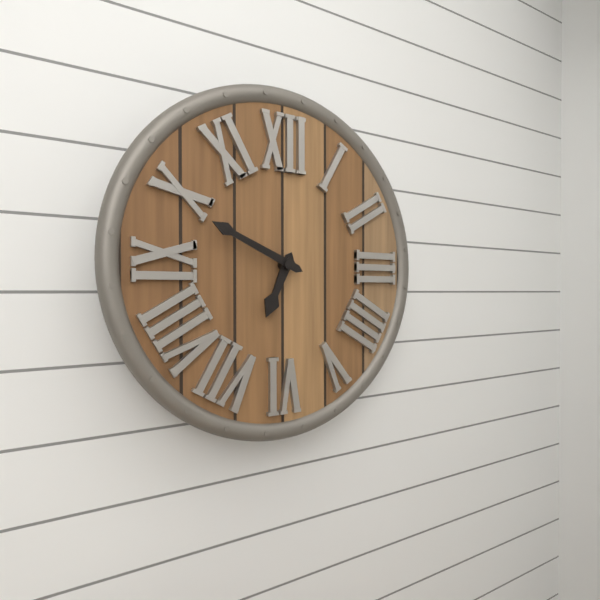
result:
{"hour": 6, "minute": 49}
